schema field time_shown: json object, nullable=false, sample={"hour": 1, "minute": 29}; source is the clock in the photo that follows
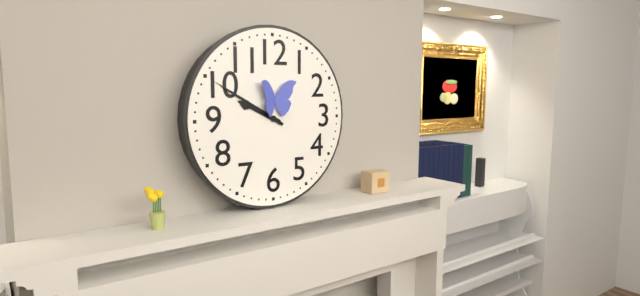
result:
{"hour": 9, "minute": 50}
